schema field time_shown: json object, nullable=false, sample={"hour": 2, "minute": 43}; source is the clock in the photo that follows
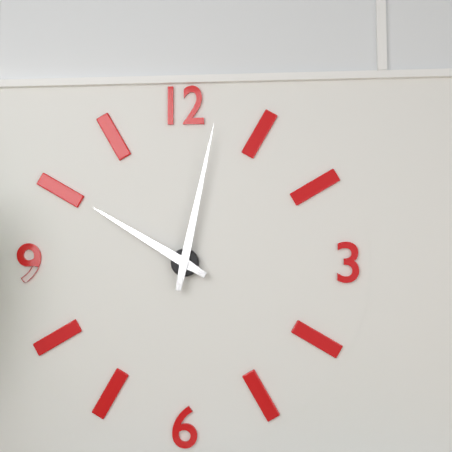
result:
{"hour": 10, "minute": 2}
